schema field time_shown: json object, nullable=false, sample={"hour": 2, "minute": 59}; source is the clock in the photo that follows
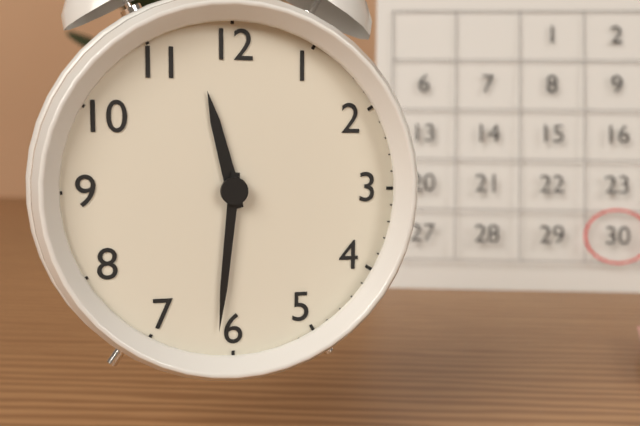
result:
{"hour": 11, "minute": 31}
